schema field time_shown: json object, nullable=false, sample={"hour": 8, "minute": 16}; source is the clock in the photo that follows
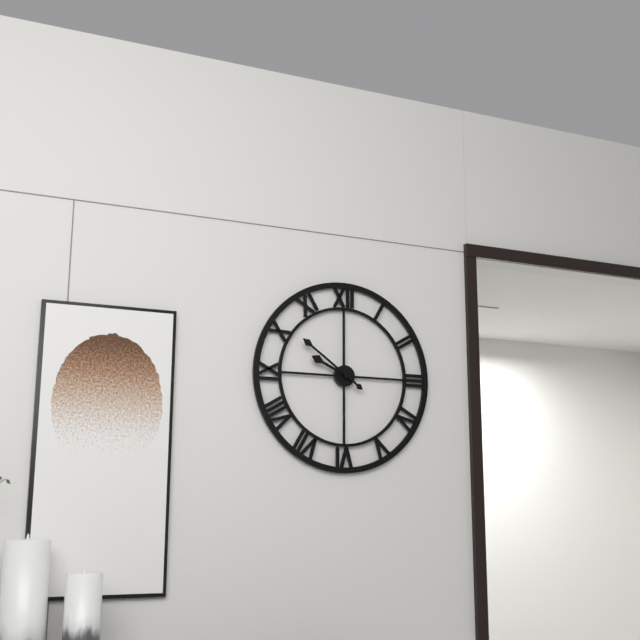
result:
{"hour": 9, "minute": 51}
